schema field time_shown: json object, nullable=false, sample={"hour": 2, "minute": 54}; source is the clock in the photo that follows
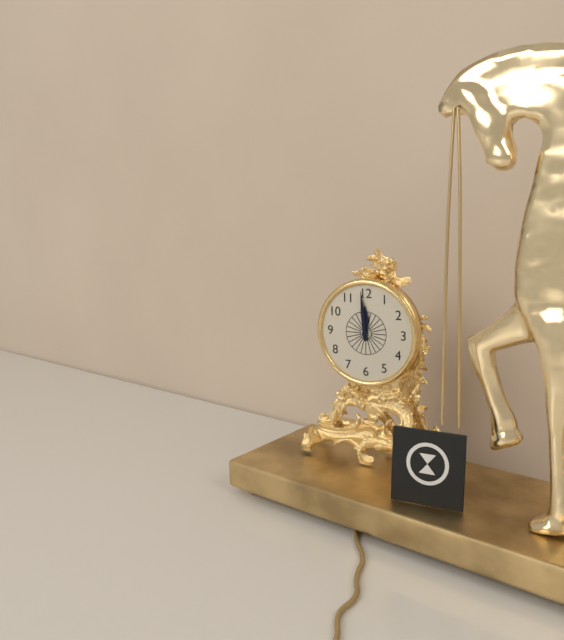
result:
{"hour": 11, "minute": 59}
